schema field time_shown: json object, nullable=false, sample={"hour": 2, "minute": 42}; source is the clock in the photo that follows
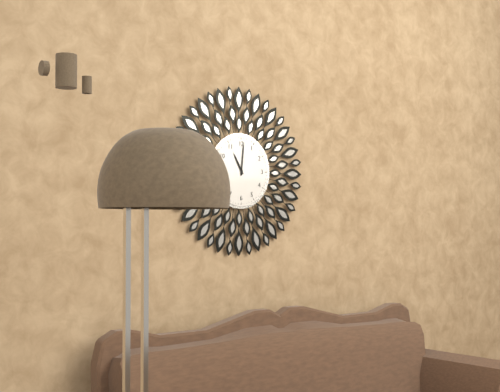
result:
{"hour": 11, "minute": 1}
